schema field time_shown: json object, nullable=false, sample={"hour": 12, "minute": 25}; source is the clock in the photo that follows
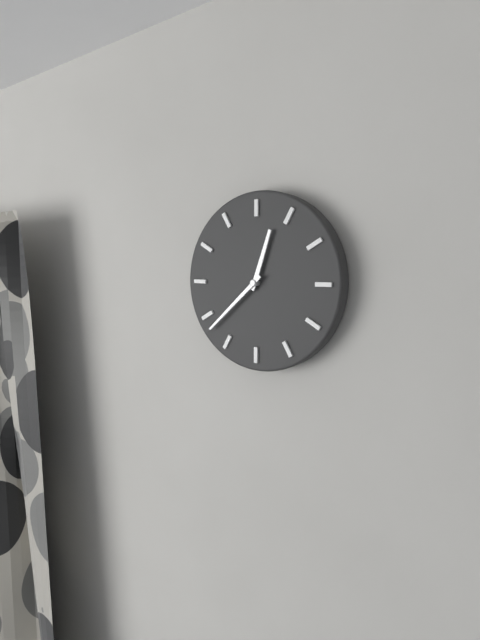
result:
{"hour": 12, "minute": 38}
